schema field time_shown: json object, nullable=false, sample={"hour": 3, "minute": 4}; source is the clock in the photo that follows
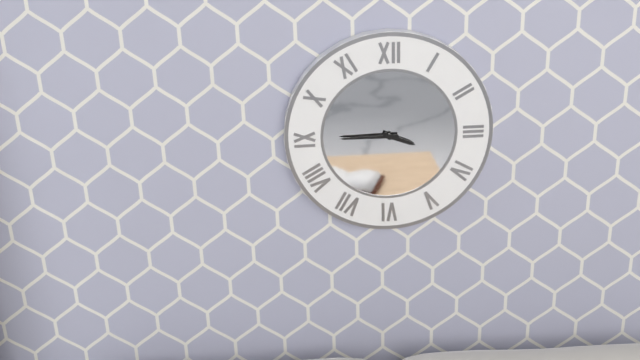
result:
{"hour": 3, "minute": 45}
